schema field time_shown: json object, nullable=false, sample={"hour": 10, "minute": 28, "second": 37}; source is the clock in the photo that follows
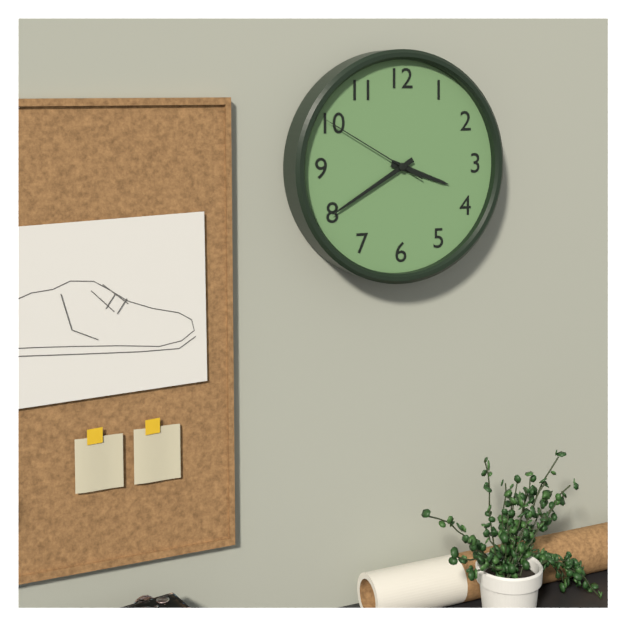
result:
{"hour": 3, "minute": 40, "second": 50}
